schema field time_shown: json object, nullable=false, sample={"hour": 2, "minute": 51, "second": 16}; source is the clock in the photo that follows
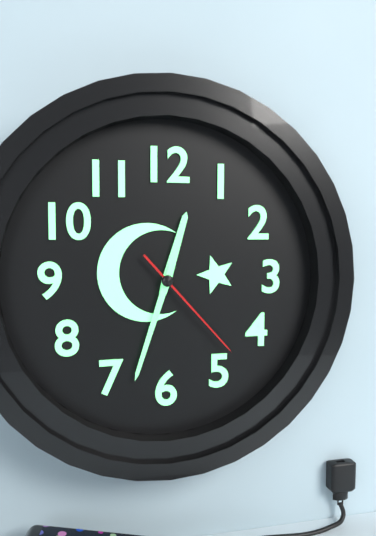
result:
{"hour": 12, "minute": 33, "second": 23}
